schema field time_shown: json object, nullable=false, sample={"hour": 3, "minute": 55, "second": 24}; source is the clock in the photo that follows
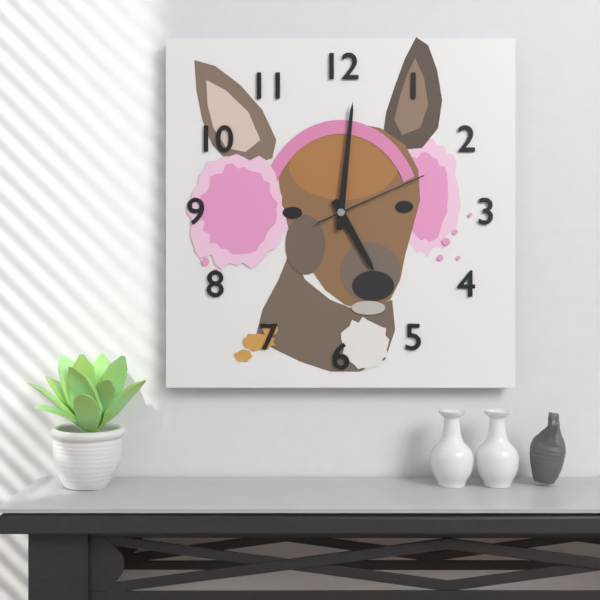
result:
{"hour": 5, "minute": 1, "second": 11}
